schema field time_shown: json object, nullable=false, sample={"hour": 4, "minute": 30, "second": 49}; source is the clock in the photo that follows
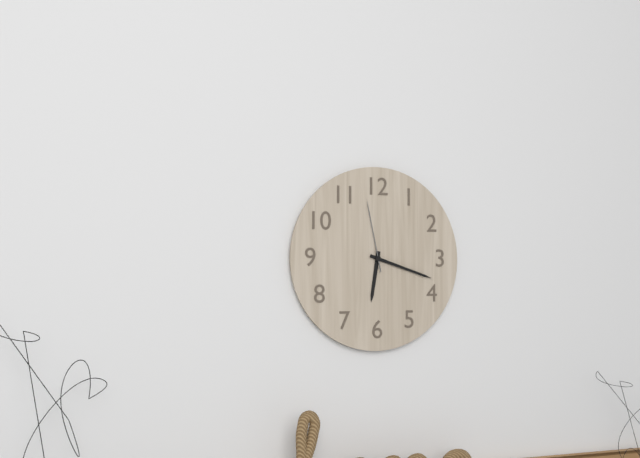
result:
{"hour": 6, "minute": 18, "second": 58}
